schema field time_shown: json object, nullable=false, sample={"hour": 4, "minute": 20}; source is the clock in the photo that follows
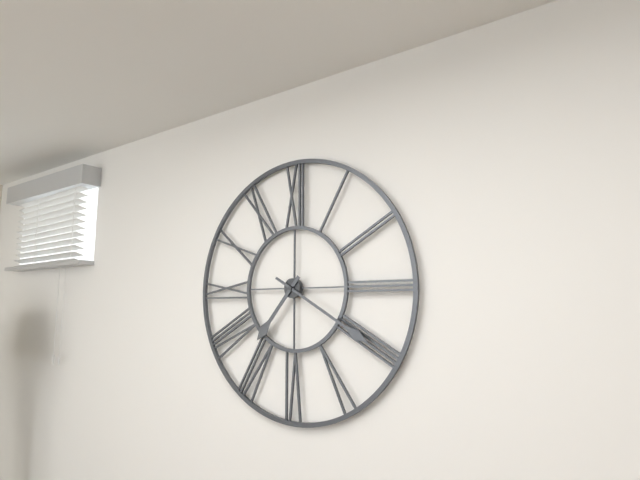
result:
{"hour": 7, "minute": 20}
